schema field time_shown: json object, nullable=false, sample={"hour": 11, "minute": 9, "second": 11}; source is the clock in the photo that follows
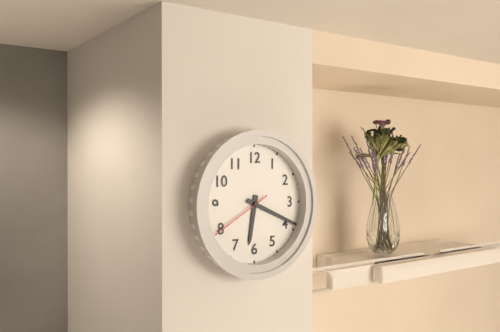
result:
{"hour": 6, "minute": 19, "second": 40}
